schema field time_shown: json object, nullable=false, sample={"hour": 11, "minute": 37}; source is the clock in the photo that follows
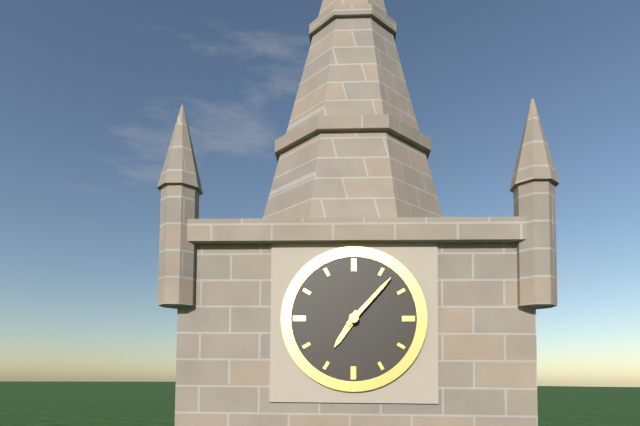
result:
{"hour": 7, "minute": 7}
